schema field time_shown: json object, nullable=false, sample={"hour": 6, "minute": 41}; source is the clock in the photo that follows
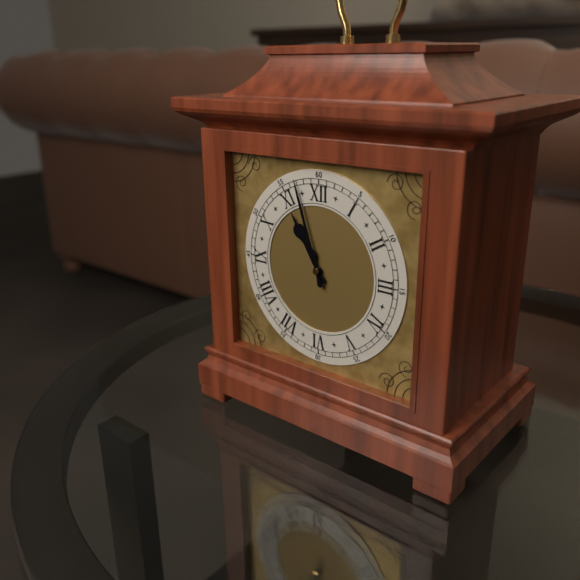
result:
{"hour": 10, "minute": 57}
